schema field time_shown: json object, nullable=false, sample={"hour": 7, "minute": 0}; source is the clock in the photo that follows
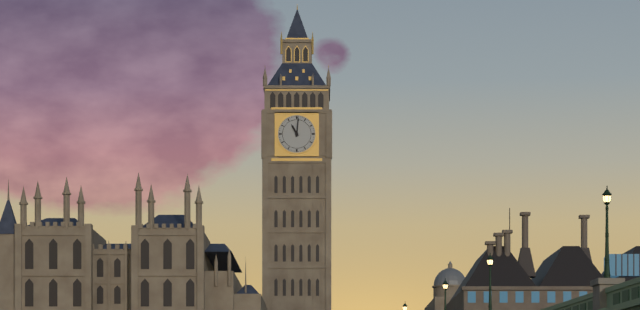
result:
{"hour": 11, "minute": 1}
